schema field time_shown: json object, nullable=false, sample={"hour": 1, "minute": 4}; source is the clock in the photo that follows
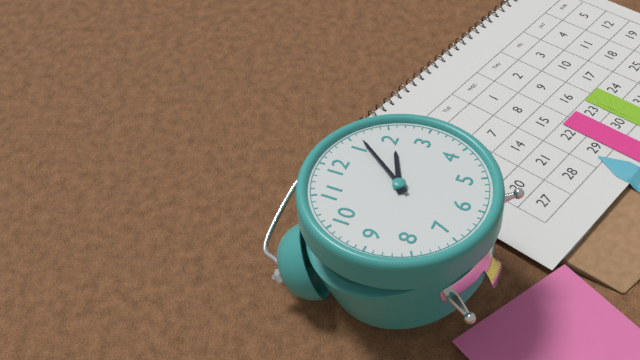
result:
{"hour": 2, "minute": 6}
